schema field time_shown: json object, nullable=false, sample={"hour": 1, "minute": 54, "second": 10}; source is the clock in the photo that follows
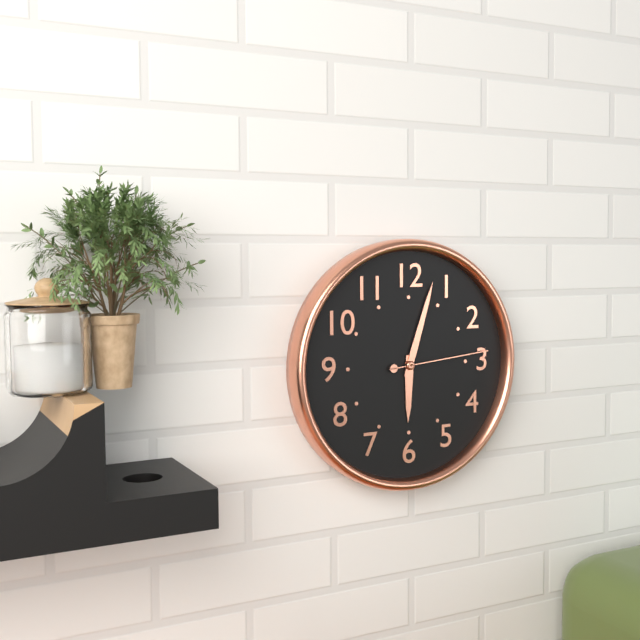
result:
{"hour": 6, "minute": 3, "second": 14}
